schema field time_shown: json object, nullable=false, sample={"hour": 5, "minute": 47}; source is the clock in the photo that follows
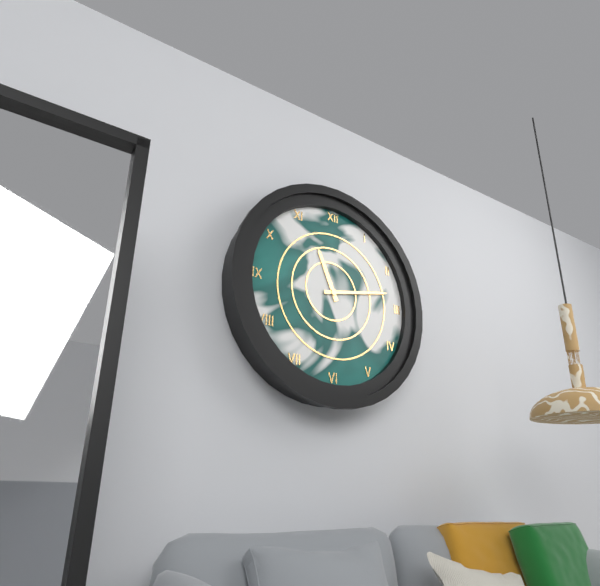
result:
{"hour": 11, "minute": 13}
